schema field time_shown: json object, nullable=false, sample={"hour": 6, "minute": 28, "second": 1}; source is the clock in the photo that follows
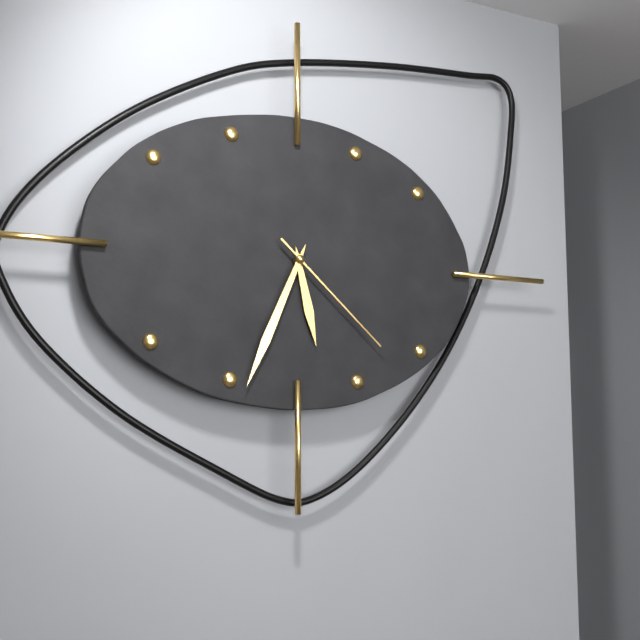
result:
{"hour": 5, "minute": 34, "second": 22}
